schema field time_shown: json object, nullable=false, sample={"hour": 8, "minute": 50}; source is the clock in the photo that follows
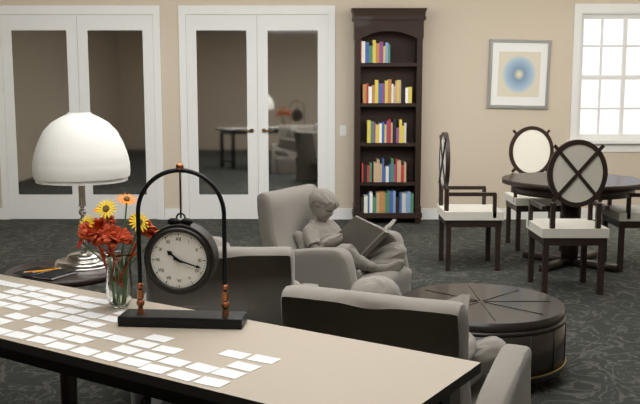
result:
{"hour": 10, "minute": 18}
